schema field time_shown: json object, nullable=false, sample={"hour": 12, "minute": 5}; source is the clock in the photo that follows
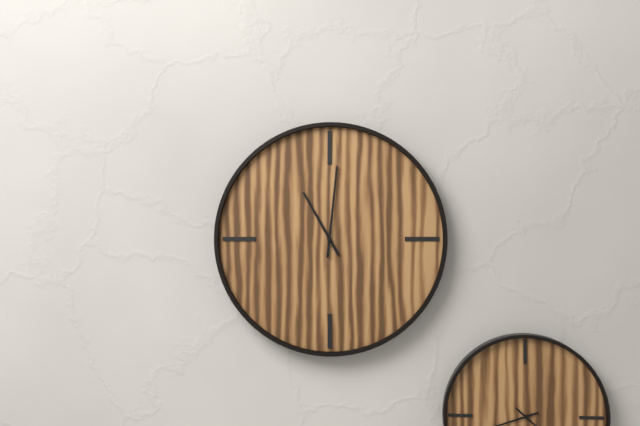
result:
{"hour": 11, "minute": 1}
